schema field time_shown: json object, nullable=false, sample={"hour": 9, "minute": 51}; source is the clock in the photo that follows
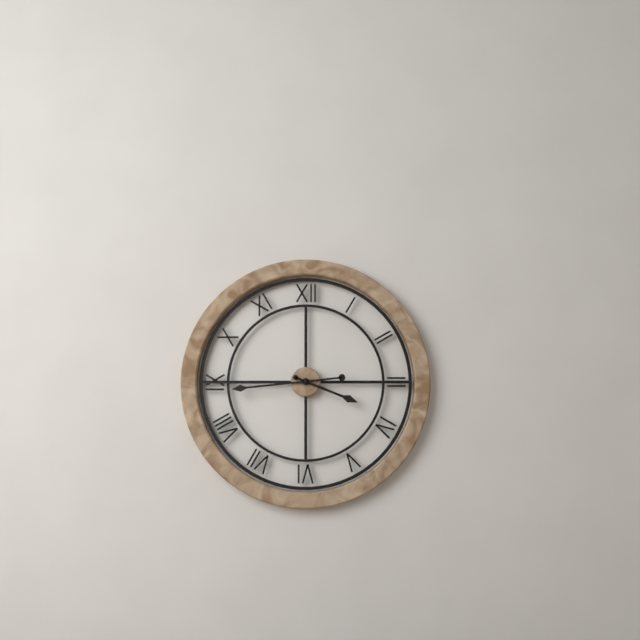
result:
{"hour": 3, "minute": 44}
